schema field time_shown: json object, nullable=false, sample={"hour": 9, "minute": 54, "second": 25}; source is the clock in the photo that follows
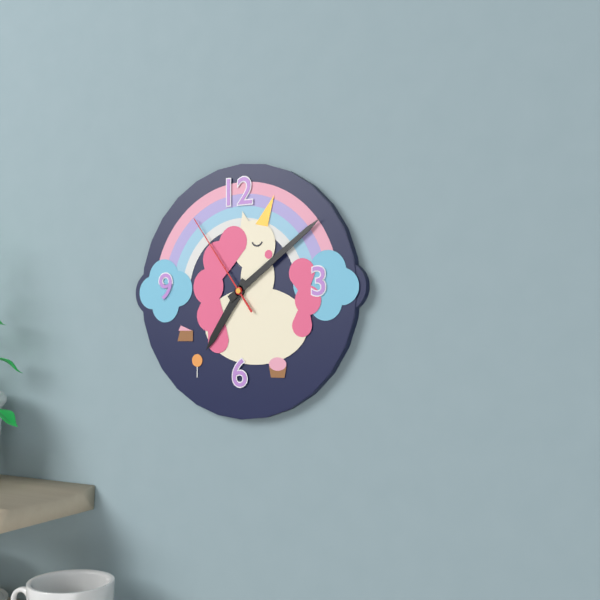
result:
{"hour": 7, "minute": 9, "second": 54}
